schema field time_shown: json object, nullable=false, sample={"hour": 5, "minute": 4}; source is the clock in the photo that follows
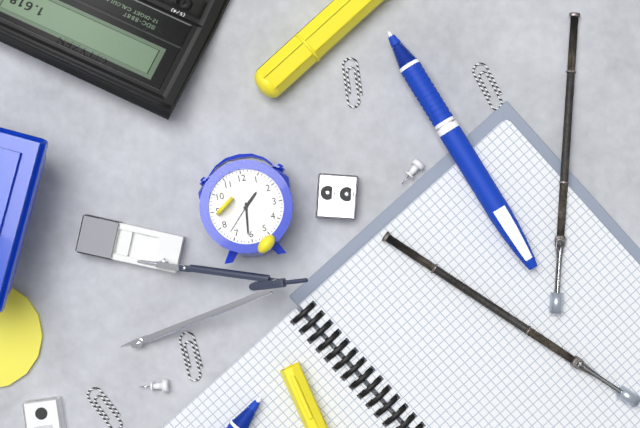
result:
{"hour": 1, "minute": 31}
